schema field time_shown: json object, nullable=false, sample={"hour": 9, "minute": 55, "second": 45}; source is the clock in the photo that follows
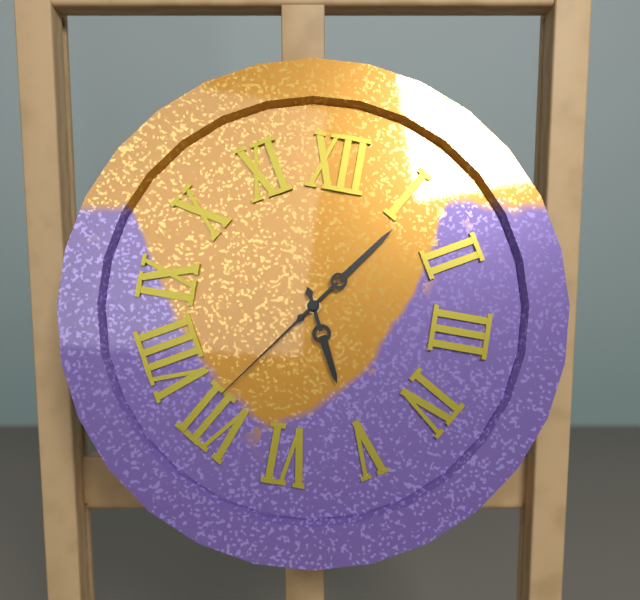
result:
{"hour": 5, "minute": 6, "second": 36}
